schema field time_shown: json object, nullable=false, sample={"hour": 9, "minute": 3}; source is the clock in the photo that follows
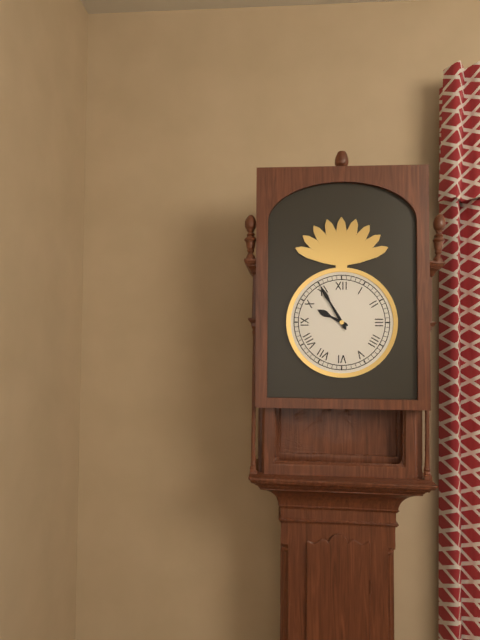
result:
{"hour": 9, "minute": 55}
